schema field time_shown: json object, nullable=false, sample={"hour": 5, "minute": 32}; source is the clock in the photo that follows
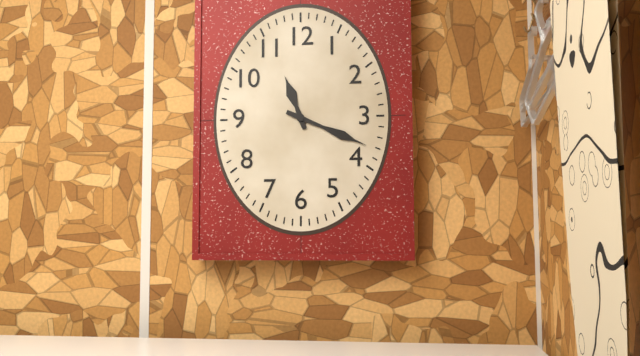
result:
{"hour": 11, "minute": 19}
